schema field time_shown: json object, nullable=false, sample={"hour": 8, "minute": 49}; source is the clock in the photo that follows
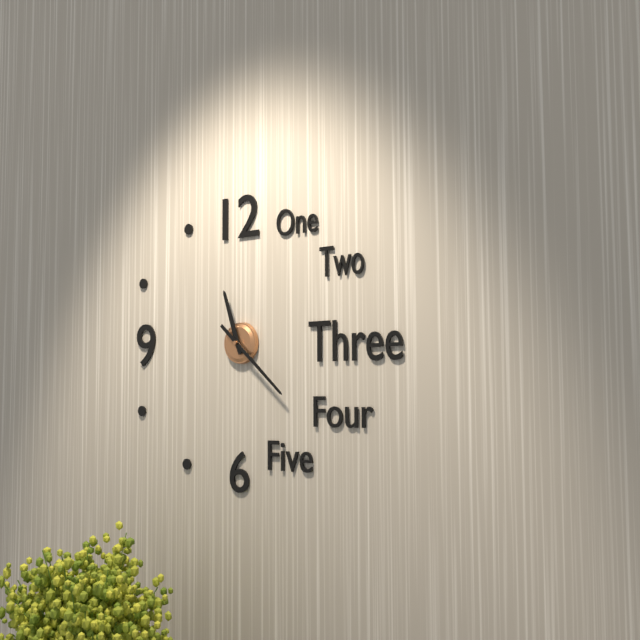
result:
{"hour": 11, "minute": 22}
